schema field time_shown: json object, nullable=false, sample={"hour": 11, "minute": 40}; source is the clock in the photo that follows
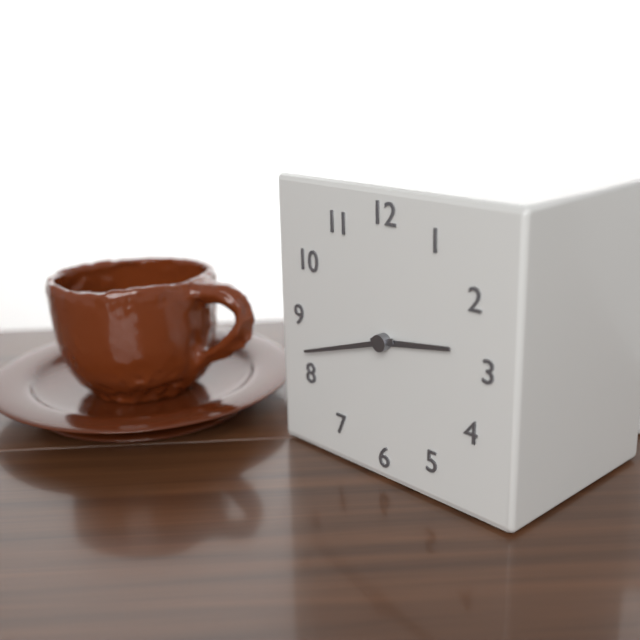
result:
{"hour": 2, "minute": 42}
